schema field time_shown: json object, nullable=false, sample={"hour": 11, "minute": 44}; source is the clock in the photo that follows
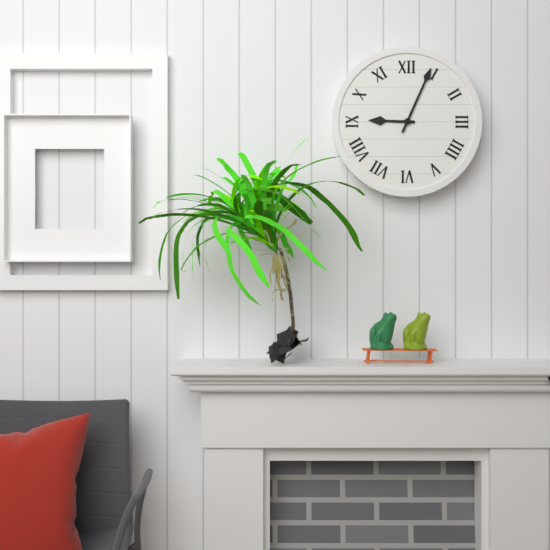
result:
{"hour": 9, "minute": 4}
